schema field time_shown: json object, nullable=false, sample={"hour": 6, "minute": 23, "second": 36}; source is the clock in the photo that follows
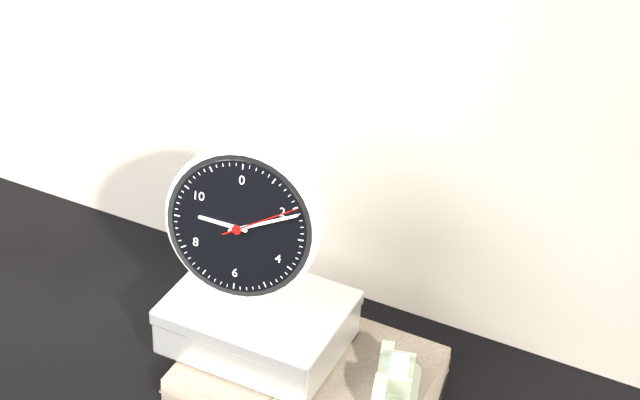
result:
{"hour": 9, "minute": 11, "second": 10}
